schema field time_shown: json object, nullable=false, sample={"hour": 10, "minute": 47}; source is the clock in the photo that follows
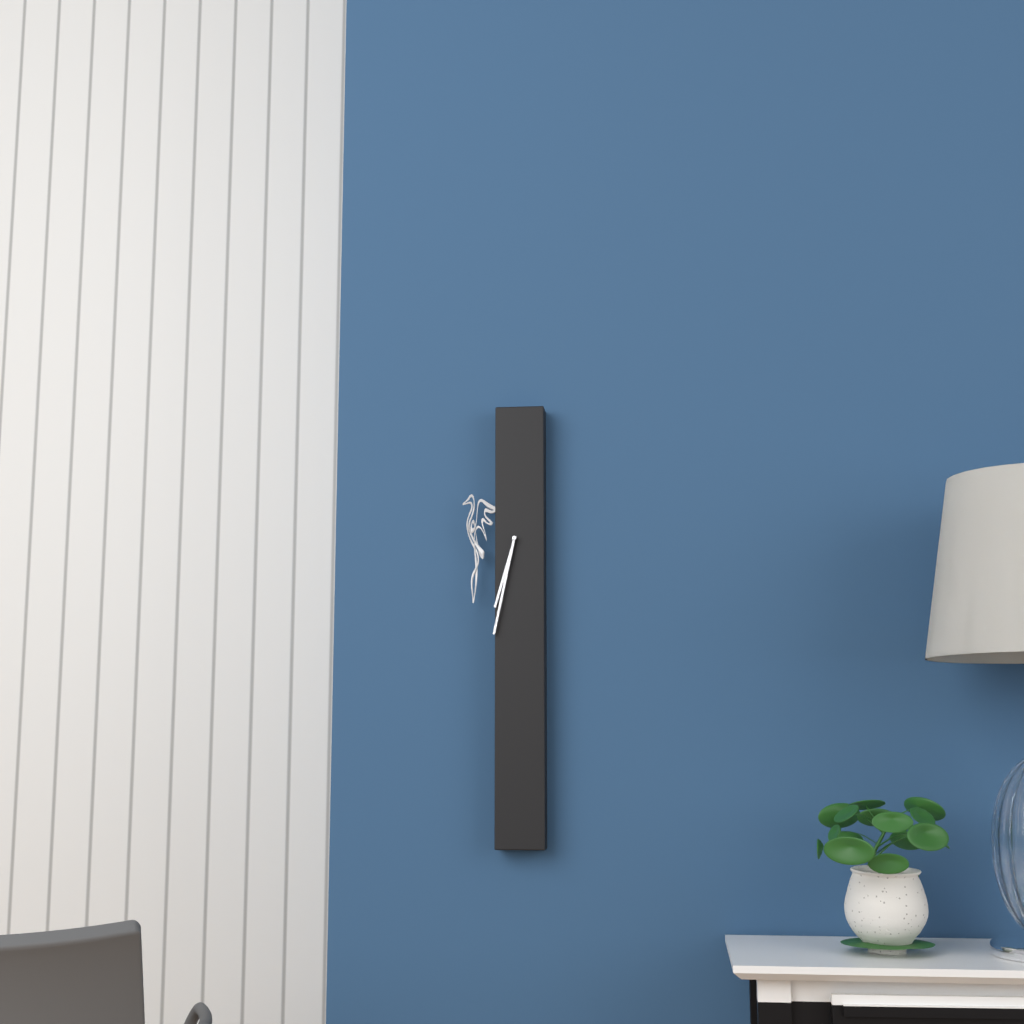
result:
{"hour": 6, "minute": 32}
